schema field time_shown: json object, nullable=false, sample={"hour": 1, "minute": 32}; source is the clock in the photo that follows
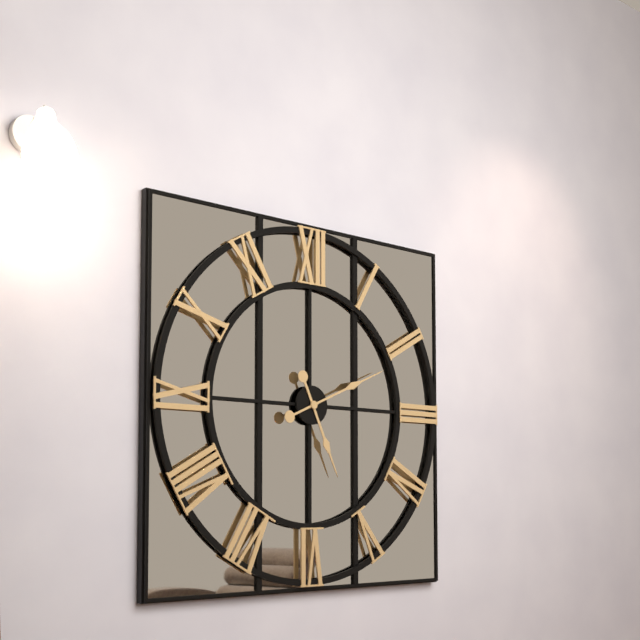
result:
{"hour": 5, "minute": 11}
